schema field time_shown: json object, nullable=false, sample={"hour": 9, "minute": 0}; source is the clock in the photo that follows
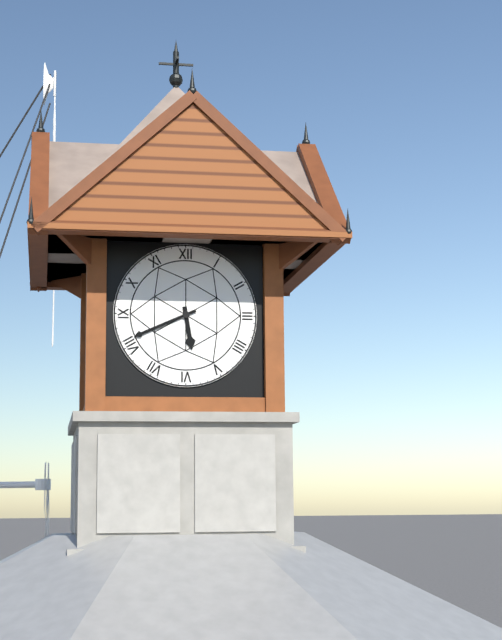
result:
{"hour": 5, "minute": 41}
